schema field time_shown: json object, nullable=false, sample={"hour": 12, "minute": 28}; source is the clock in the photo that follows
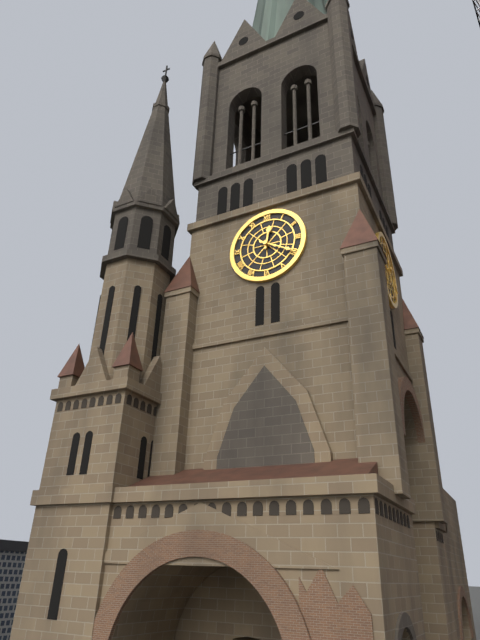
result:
{"hour": 12, "minute": 20}
